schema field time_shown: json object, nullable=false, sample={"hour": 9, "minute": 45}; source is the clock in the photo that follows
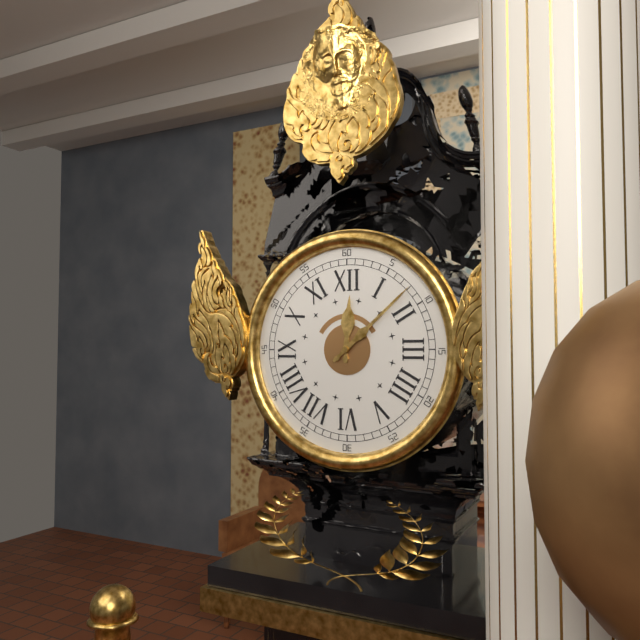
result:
{"hour": 12, "minute": 8}
